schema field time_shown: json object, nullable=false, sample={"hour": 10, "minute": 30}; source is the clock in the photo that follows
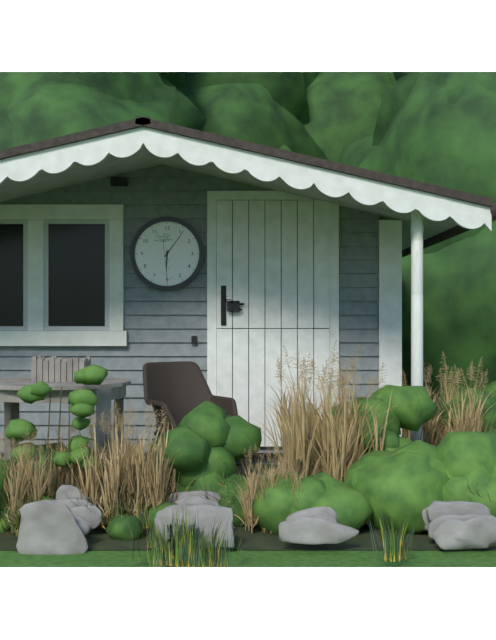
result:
{"hour": 6, "minute": 6}
